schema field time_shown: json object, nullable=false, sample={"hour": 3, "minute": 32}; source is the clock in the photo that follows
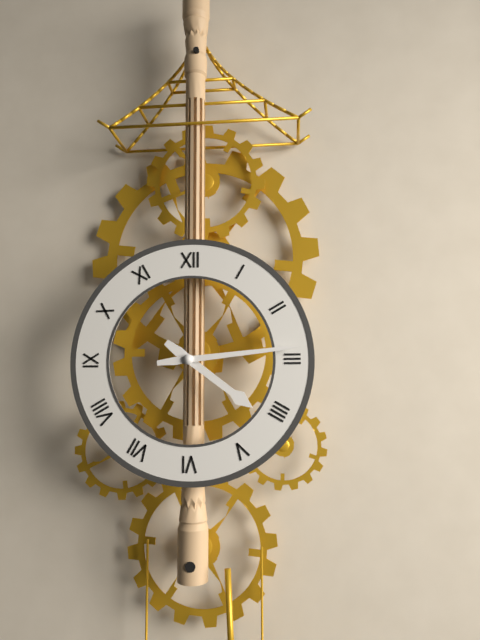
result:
{"hour": 4, "minute": 14}
